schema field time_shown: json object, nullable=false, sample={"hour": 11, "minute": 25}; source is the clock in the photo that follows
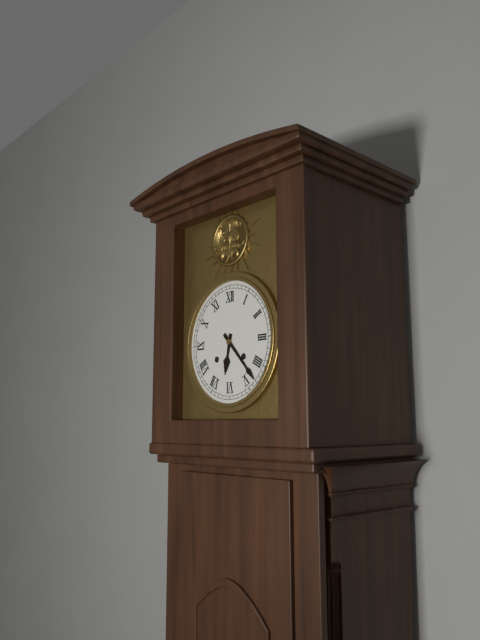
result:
{"hour": 6, "minute": 23}
